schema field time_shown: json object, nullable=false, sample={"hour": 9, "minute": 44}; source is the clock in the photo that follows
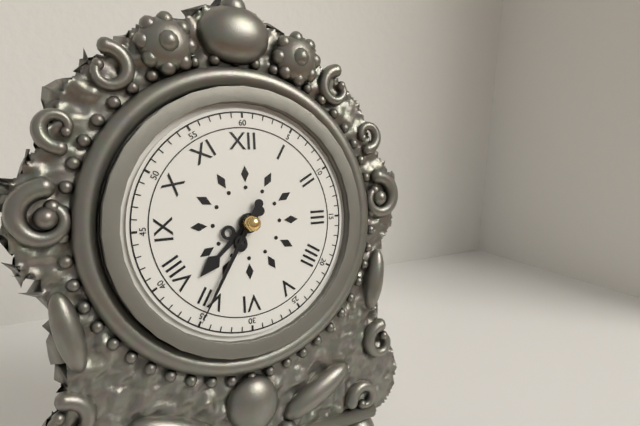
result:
{"hour": 7, "minute": 35}
